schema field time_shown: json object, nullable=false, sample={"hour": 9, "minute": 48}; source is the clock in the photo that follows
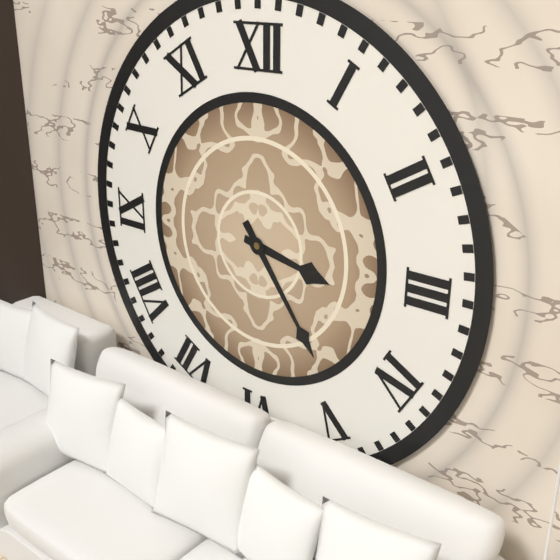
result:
{"hour": 3, "minute": 24}
